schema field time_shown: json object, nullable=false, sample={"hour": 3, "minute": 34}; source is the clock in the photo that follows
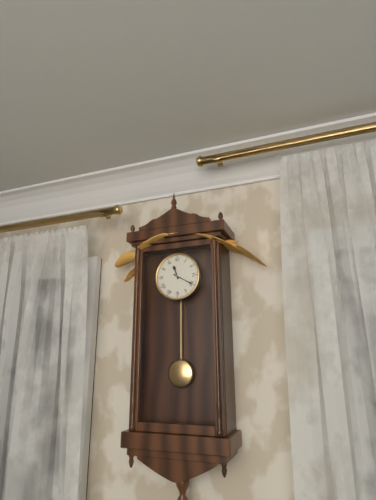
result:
{"hour": 11, "minute": 20}
